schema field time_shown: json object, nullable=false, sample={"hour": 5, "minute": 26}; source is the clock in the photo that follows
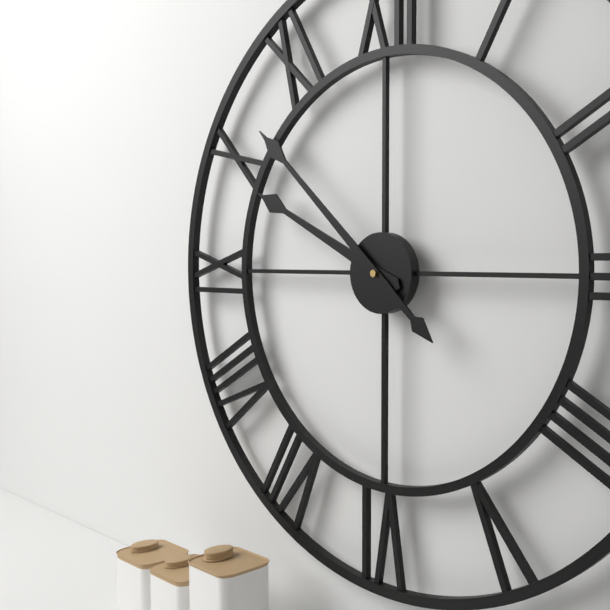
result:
{"hour": 9, "minute": 52}
